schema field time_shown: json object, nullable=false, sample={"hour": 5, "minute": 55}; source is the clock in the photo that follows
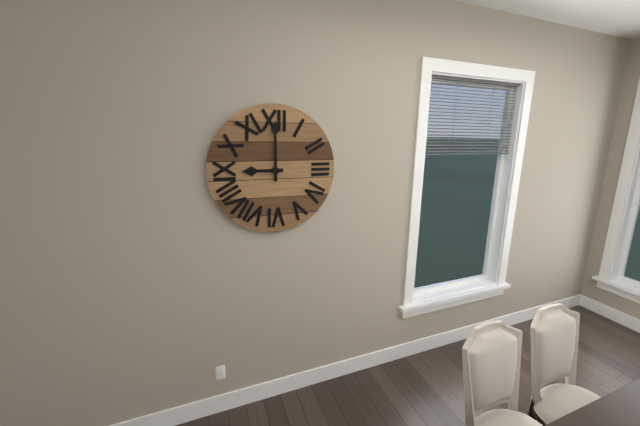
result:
{"hour": 9, "minute": 0}
